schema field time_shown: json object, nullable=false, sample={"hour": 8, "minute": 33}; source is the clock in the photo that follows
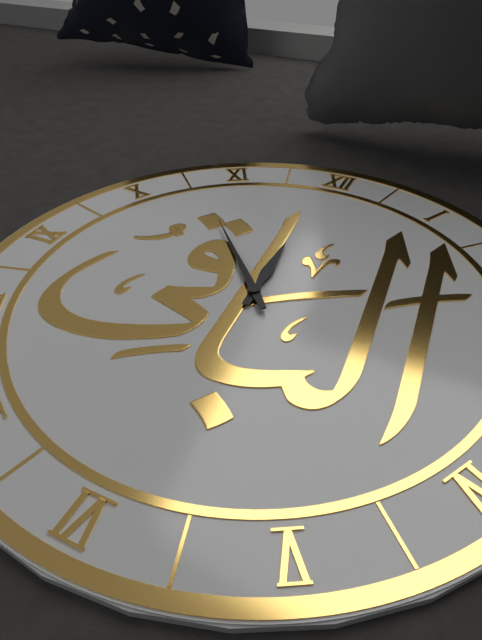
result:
{"hour": 11, "minute": 53}
